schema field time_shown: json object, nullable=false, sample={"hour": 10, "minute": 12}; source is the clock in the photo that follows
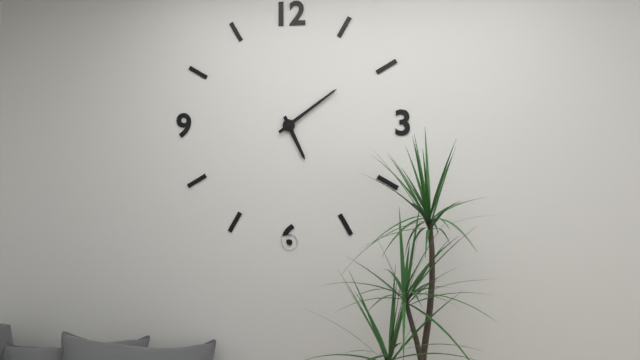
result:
{"hour": 5, "minute": 9}
